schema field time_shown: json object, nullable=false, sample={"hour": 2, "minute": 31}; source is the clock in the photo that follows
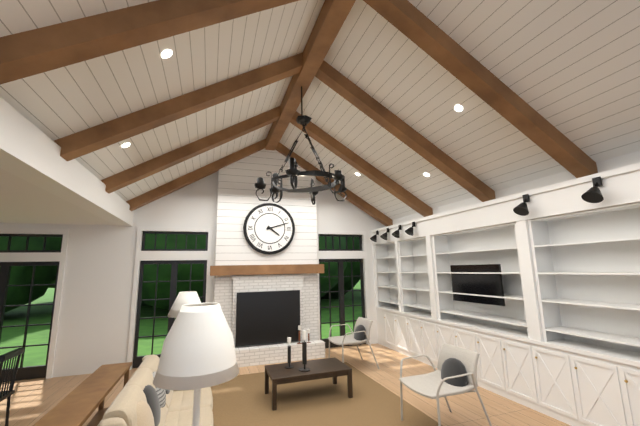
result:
{"hour": 4, "minute": 12}
